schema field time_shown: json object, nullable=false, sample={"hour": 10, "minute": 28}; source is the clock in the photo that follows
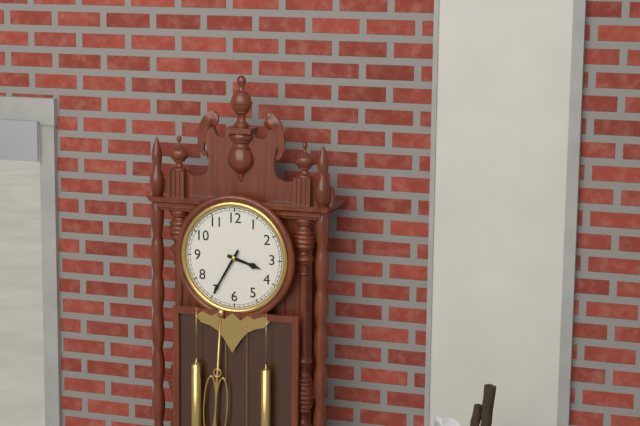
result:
{"hour": 3, "minute": 35}
